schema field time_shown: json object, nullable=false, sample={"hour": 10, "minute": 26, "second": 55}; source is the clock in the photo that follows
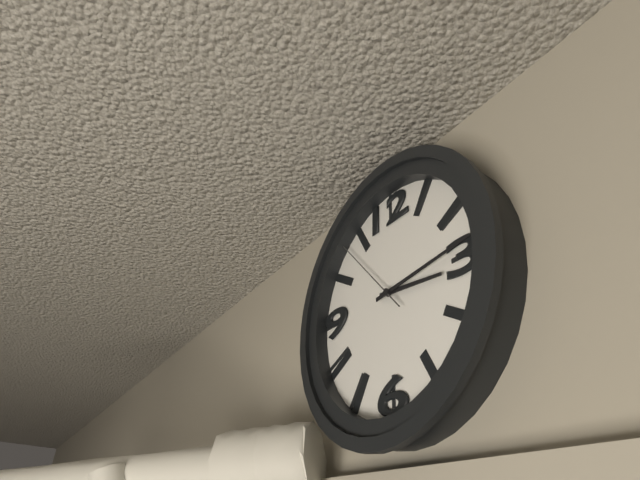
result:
{"hour": 3, "minute": 14, "second": 53}
